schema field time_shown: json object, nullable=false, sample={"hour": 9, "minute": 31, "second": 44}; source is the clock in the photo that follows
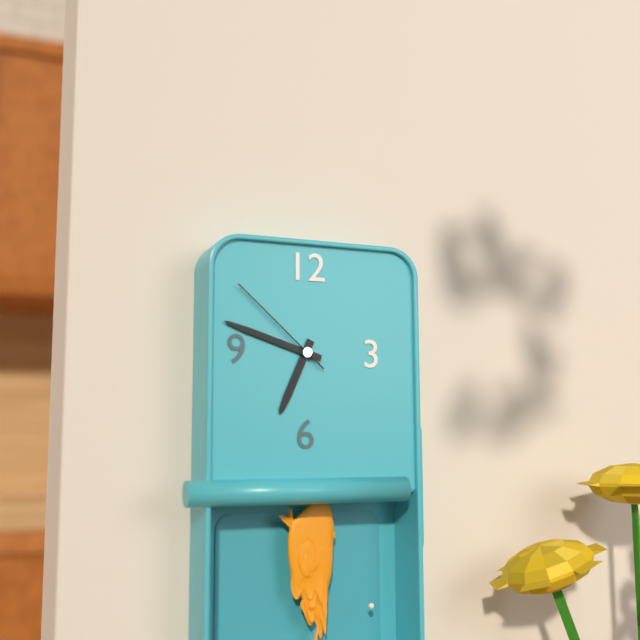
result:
{"hour": 6, "minute": 48, "second": 52}
